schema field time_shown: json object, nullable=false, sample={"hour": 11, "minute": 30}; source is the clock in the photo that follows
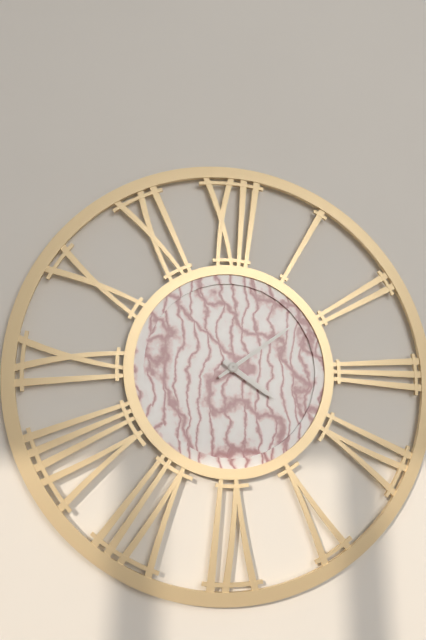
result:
{"hour": 4, "minute": 9}
